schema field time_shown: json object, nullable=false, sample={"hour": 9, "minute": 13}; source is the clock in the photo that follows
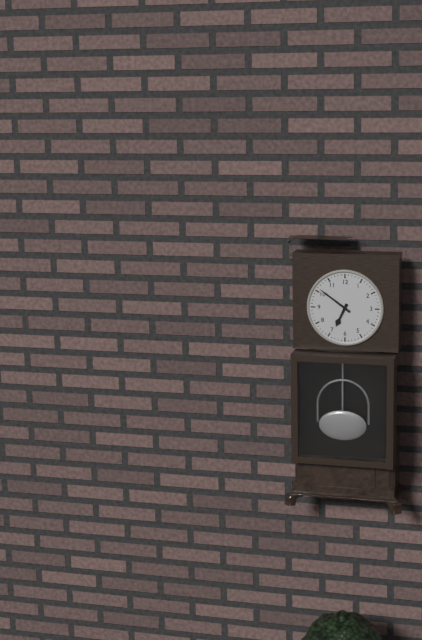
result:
{"hour": 6, "minute": 51}
